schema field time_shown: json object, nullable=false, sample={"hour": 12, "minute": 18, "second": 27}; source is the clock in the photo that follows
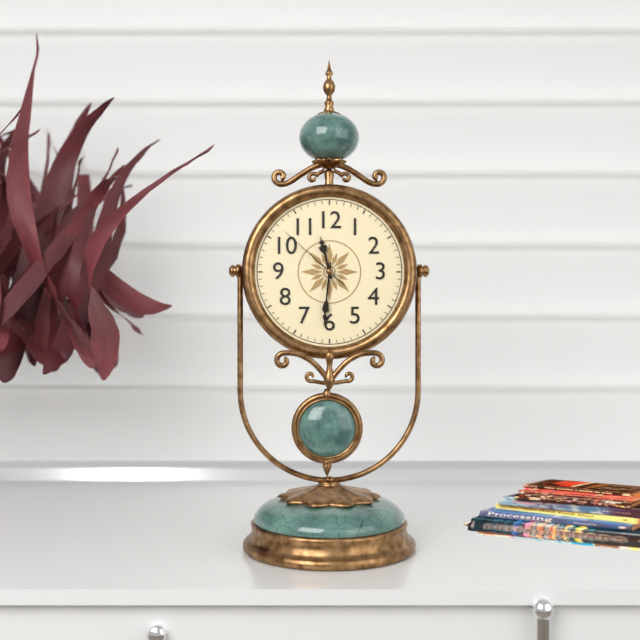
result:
{"hour": 11, "minute": 31, "second": 52}
